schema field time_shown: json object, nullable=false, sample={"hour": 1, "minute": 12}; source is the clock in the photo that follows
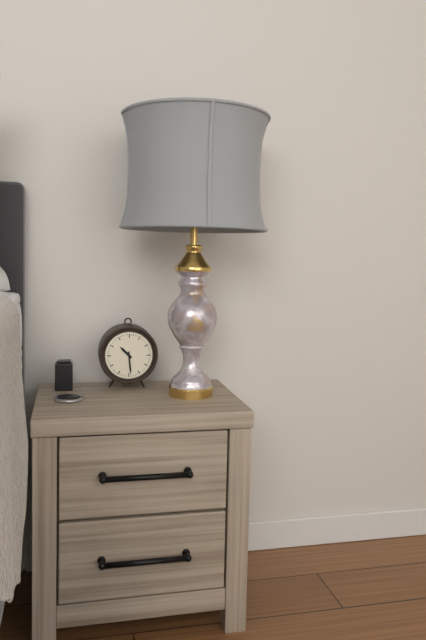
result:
{"hour": 10, "minute": 29}
